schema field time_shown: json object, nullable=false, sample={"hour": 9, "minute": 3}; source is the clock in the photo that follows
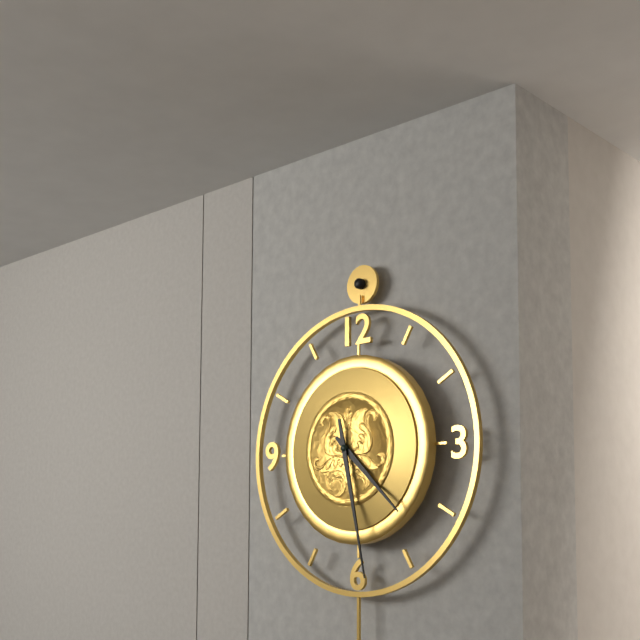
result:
{"hour": 4, "minute": 28}
